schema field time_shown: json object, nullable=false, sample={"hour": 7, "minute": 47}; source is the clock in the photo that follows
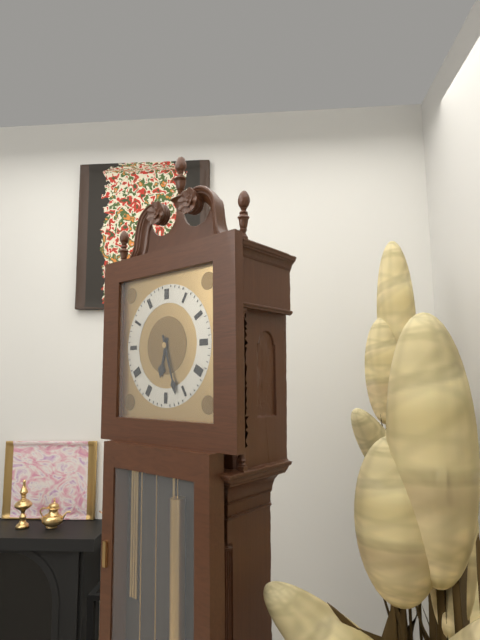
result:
{"hour": 6, "minute": 27}
